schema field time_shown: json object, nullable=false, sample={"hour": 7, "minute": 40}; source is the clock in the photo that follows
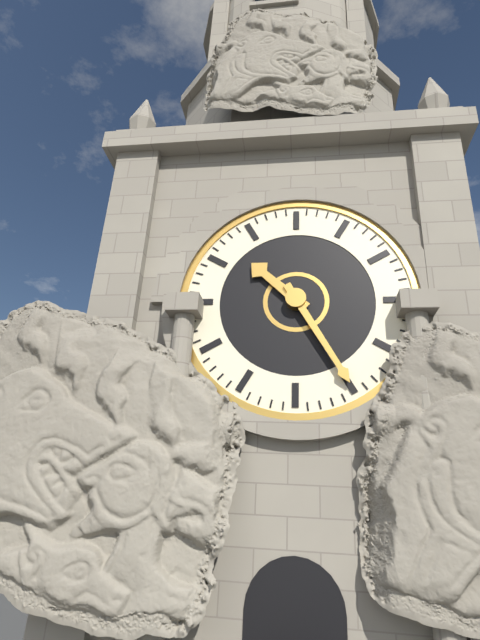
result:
{"hour": 10, "minute": 25}
